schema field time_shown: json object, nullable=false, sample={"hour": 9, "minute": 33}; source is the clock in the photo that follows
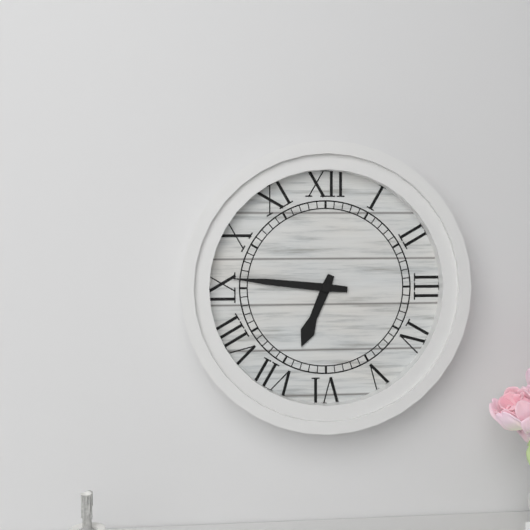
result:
{"hour": 6, "minute": 46}
